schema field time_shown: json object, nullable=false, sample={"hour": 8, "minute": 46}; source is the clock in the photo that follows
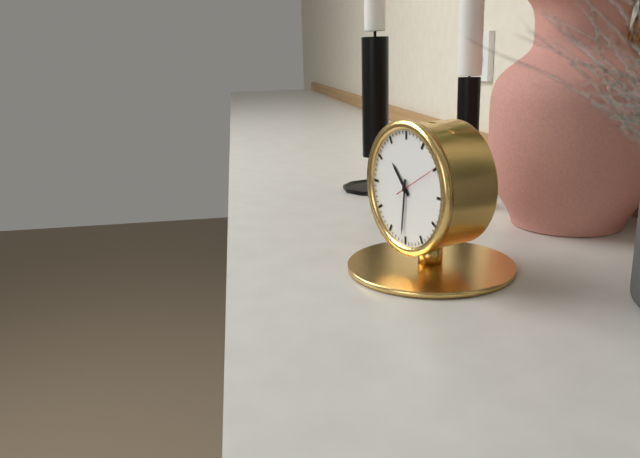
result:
{"hour": 10, "minute": 31}
